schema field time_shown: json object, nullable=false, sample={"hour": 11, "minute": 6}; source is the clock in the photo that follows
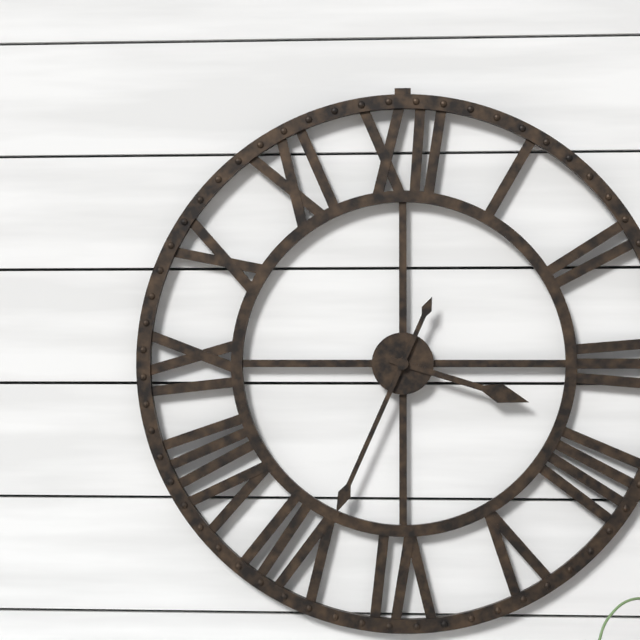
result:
{"hour": 3, "minute": 34}
